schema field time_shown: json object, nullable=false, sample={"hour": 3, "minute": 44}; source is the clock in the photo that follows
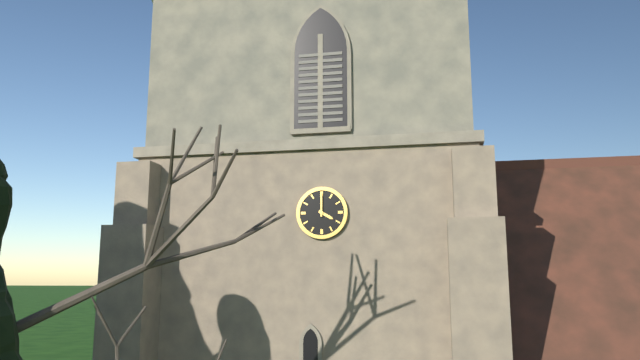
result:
{"hour": 4, "minute": 0}
